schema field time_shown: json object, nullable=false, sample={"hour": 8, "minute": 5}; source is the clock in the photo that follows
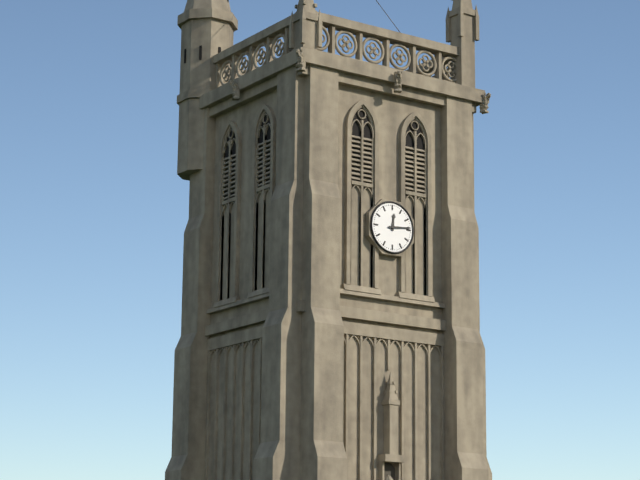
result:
{"hour": 12, "minute": 14}
